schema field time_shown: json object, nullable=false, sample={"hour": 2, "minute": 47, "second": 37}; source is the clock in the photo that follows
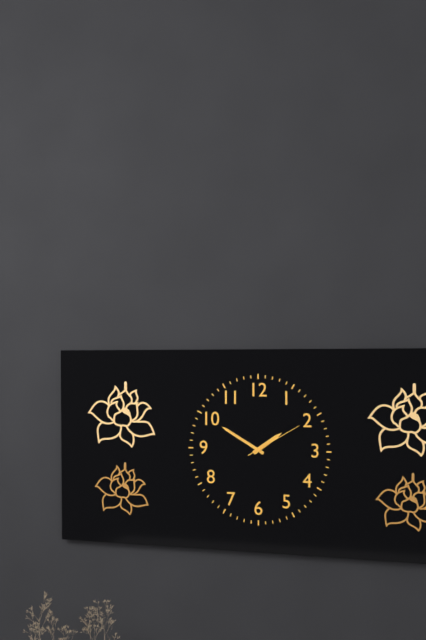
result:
{"hour": 1, "minute": 50, "second": 10}
